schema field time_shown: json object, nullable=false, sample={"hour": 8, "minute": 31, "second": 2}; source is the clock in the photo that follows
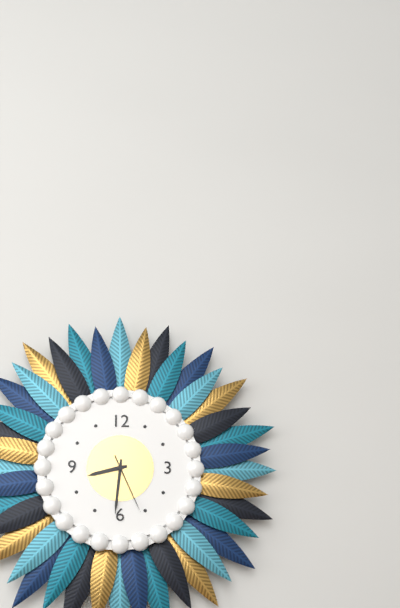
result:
{"hour": 8, "minute": 31, "second": 26}
